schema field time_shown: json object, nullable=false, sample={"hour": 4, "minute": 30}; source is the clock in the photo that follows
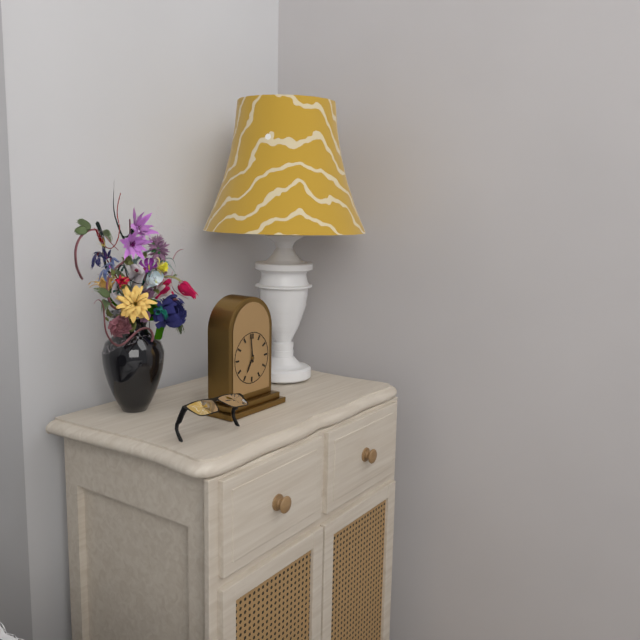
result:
{"hour": 6, "minute": 59}
